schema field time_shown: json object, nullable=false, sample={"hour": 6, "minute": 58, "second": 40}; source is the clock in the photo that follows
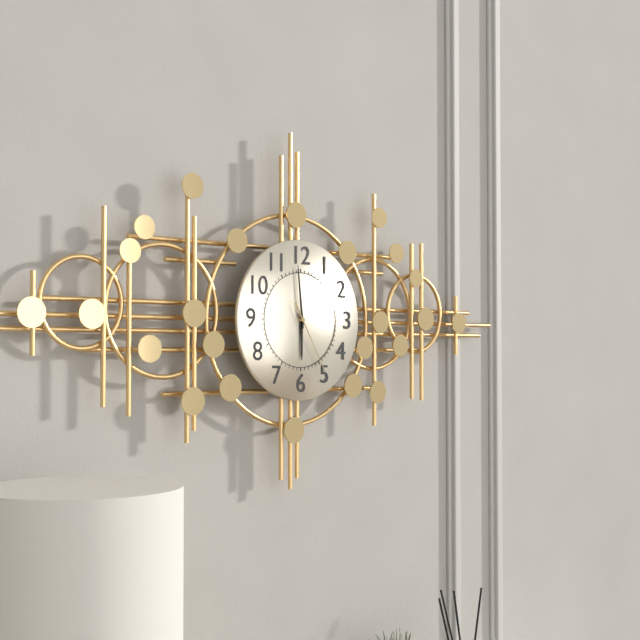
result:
{"hour": 5, "minute": 59, "second": 25}
